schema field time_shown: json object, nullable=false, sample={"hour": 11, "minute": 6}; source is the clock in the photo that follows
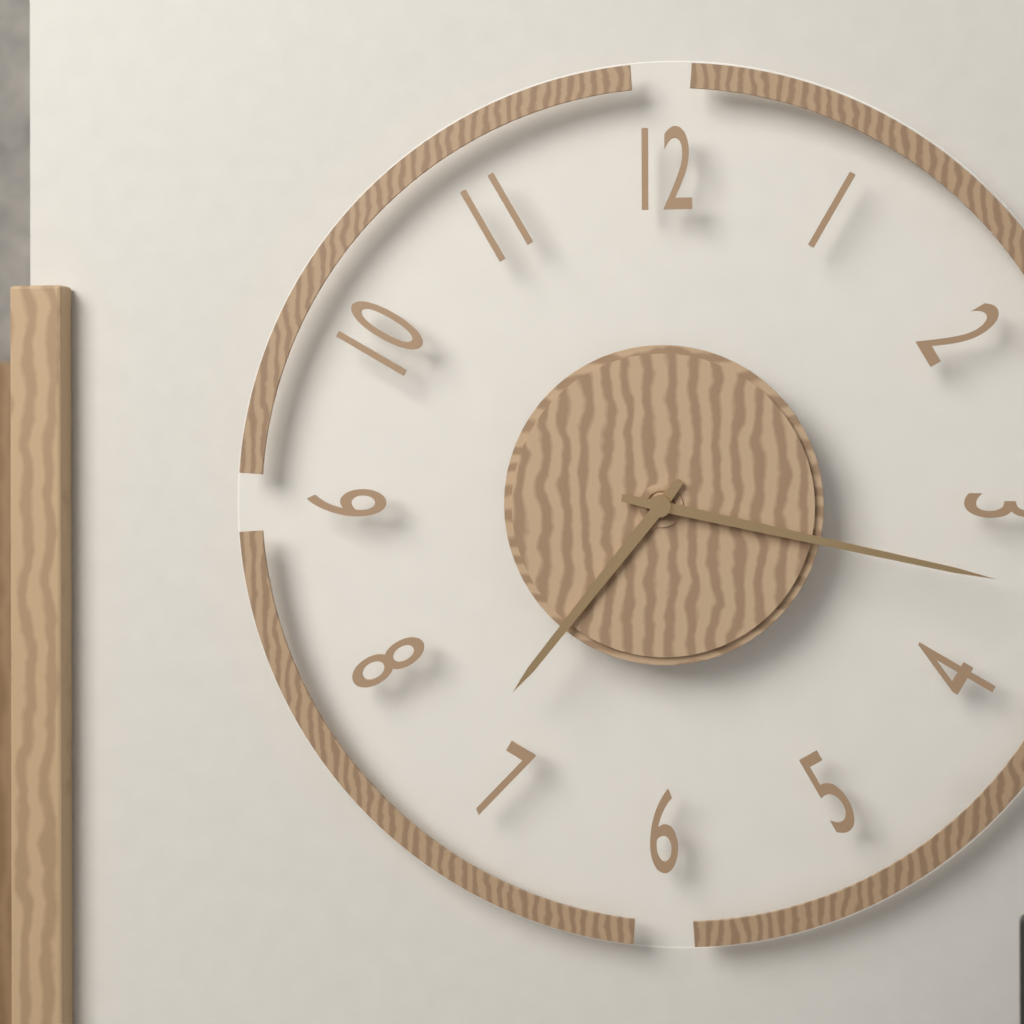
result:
{"hour": 7, "minute": 17}
